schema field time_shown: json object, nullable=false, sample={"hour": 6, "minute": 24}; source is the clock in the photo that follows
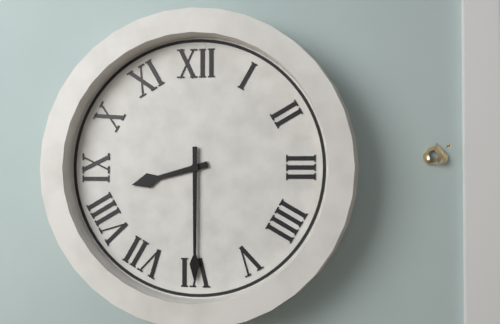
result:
{"hour": 8, "minute": 30}
